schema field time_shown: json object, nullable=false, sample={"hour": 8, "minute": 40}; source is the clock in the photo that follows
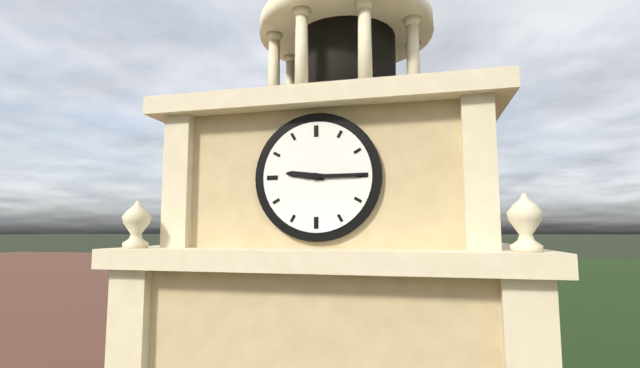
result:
{"hour": 9, "minute": 15}
